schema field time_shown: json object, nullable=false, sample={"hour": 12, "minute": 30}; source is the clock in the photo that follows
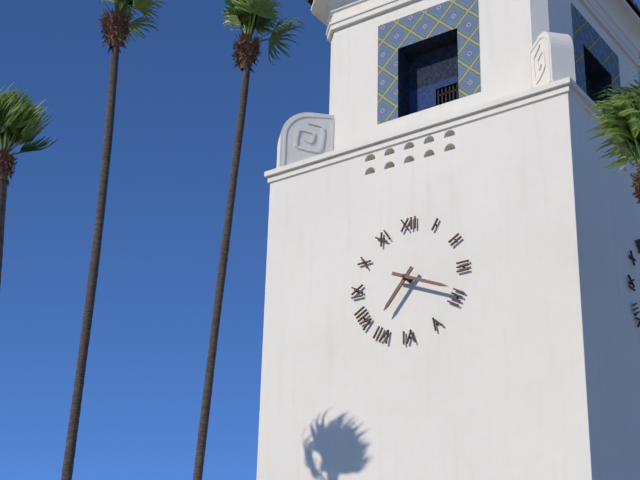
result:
{"hour": 7, "minute": 19}
